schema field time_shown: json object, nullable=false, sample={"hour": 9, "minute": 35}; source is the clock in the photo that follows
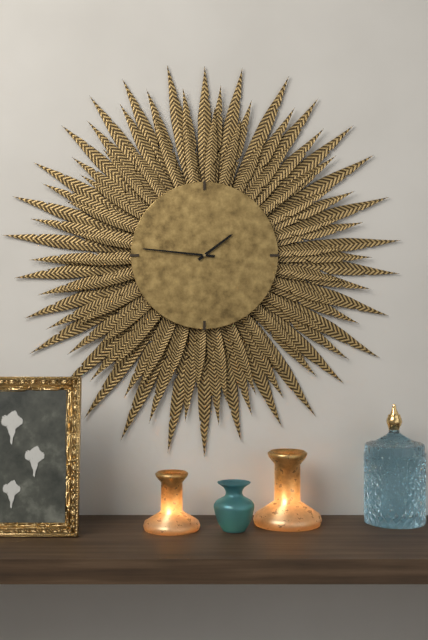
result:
{"hour": 1, "minute": 46}
